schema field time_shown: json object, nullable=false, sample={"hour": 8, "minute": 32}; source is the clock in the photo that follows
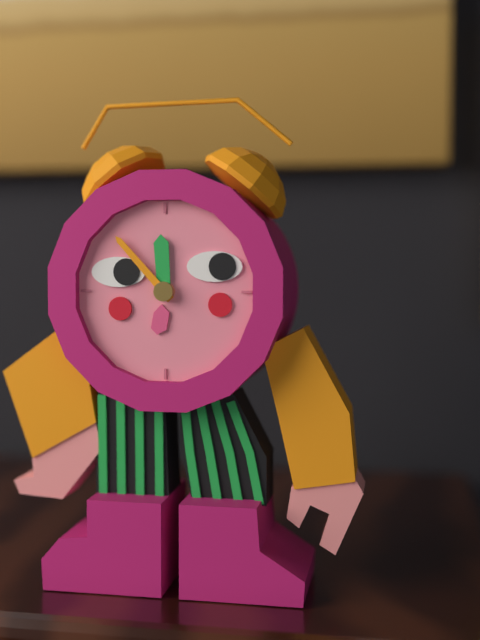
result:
{"hour": 11, "minute": 53}
